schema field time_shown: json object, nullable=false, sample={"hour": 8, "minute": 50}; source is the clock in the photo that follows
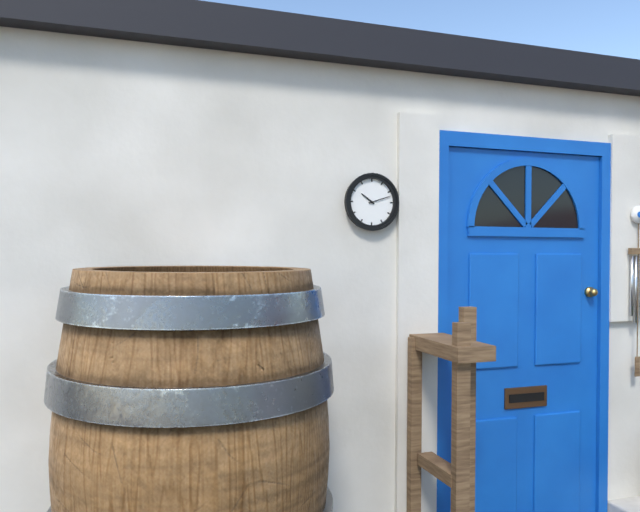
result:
{"hour": 10, "minute": 12}
